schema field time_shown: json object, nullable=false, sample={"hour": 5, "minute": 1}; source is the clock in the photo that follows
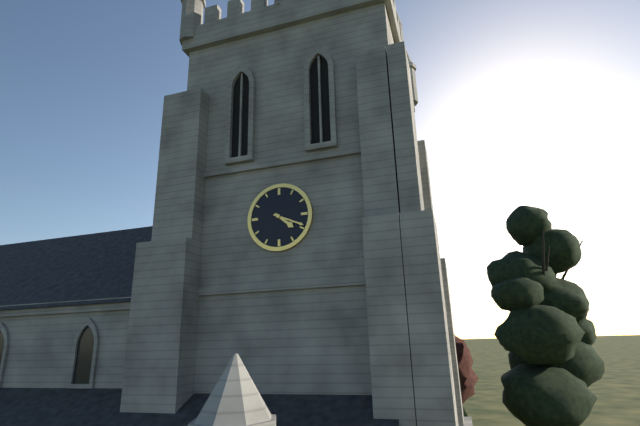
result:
{"hour": 4, "minute": 19}
